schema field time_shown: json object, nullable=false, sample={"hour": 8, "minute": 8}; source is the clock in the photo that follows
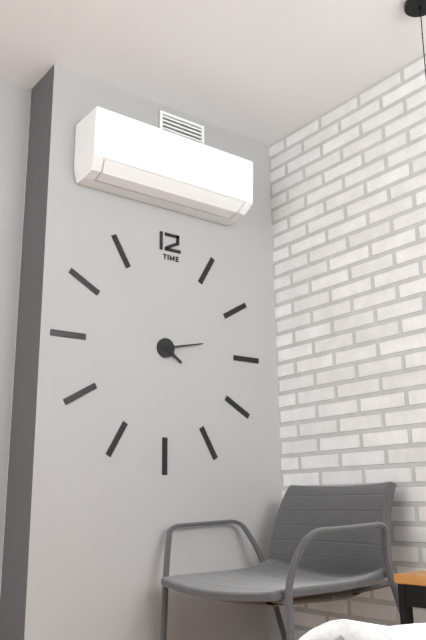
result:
{"hour": 4, "minute": 13}
